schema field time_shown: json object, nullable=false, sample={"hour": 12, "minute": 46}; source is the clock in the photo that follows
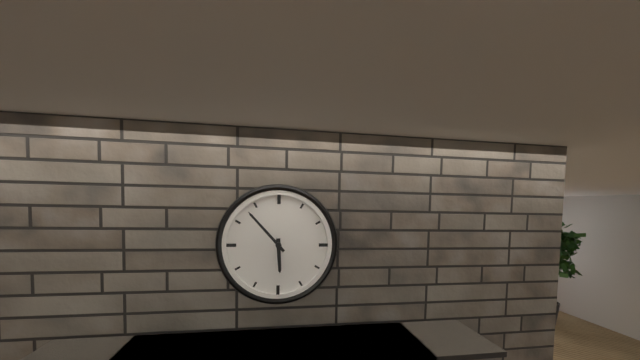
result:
{"hour": 5, "minute": 53}
